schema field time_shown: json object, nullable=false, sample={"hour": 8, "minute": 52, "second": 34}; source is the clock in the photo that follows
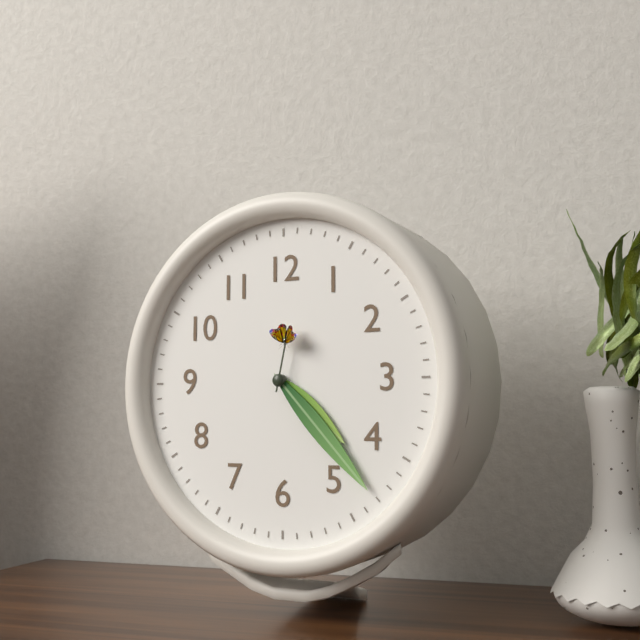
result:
{"hour": 4, "minute": 23, "second": 2}
